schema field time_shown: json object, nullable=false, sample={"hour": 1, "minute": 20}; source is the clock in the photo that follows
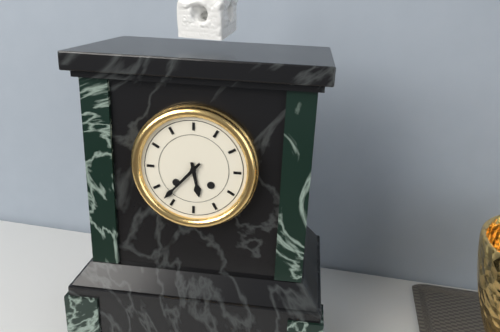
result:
{"hour": 5, "minute": 37}
